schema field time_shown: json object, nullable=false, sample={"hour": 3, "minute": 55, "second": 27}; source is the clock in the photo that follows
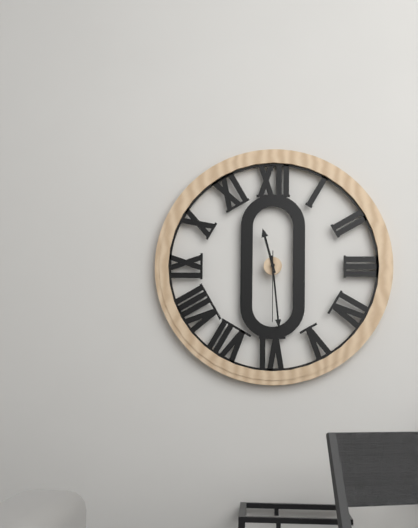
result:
{"hour": 11, "minute": 29, "second": 30}
